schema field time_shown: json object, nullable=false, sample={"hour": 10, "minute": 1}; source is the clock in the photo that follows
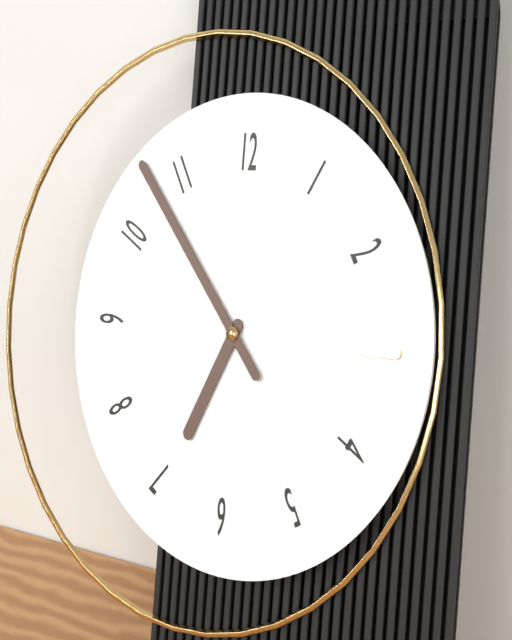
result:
{"hour": 6, "minute": 53}
